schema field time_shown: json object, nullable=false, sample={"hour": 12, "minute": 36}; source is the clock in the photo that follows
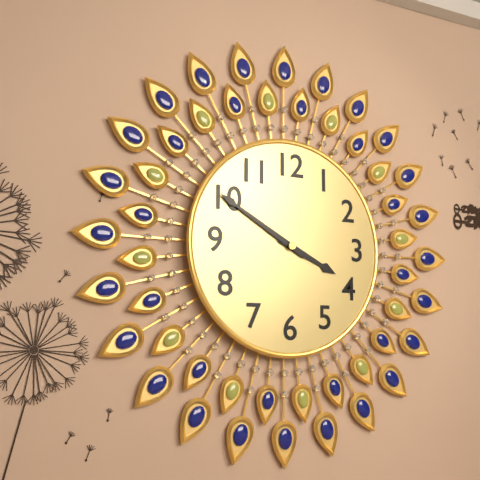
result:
{"hour": 3, "minute": 50}
